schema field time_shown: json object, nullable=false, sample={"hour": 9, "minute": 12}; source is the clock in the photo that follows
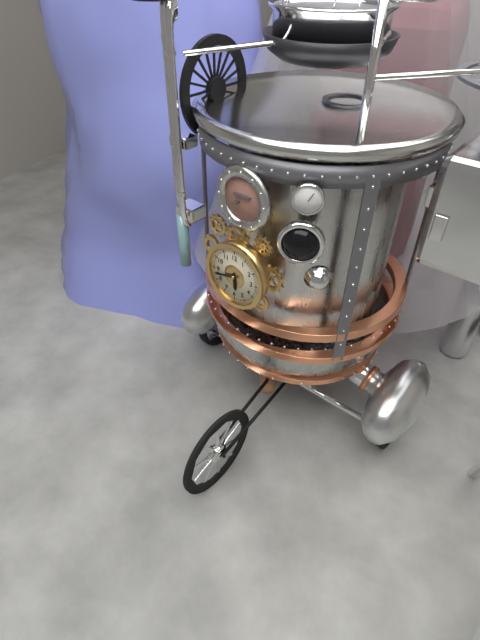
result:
{"hour": 5, "minute": 43}
